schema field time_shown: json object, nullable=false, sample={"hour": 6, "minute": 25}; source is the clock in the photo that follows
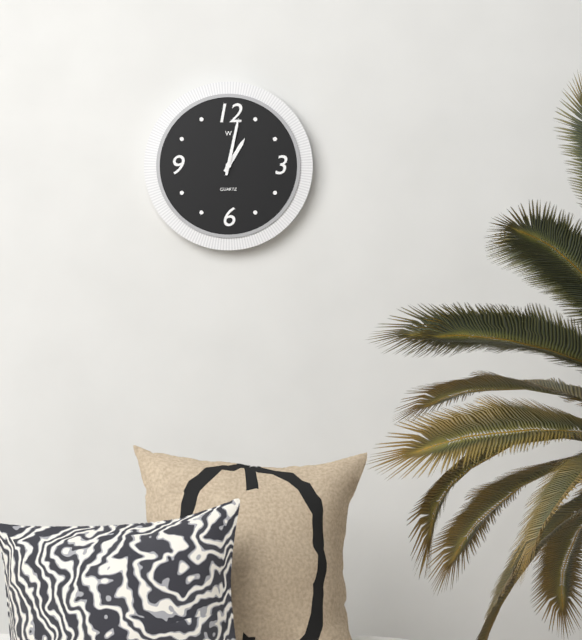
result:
{"hour": 1, "minute": 2}
